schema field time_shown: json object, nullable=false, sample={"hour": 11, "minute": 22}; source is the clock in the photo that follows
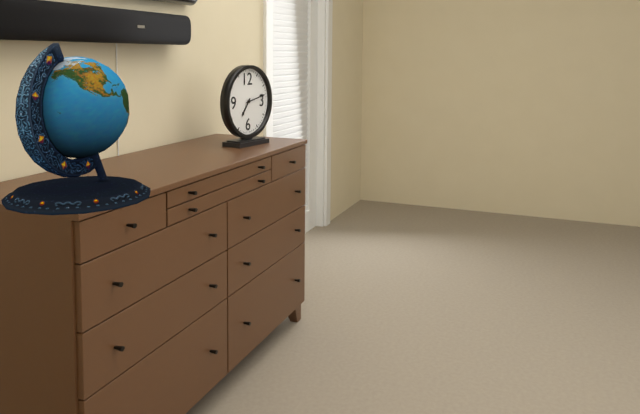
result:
{"hour": 7, "minute": 13}
